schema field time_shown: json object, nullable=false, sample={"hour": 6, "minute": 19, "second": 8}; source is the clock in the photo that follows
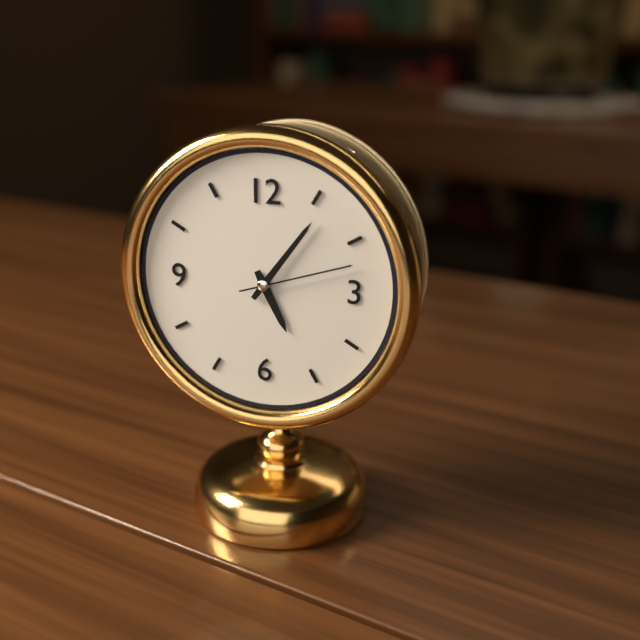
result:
{"hour": 5, "minute": 6, "second": 12}
